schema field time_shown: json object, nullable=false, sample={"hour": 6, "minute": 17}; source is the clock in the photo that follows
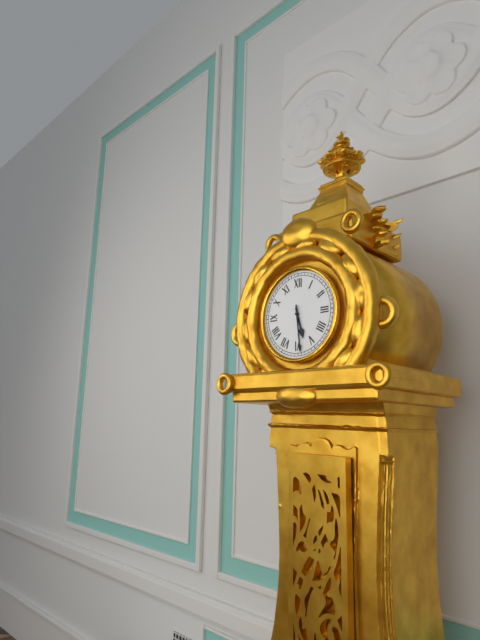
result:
{"hour": 5, "minute": 29}
